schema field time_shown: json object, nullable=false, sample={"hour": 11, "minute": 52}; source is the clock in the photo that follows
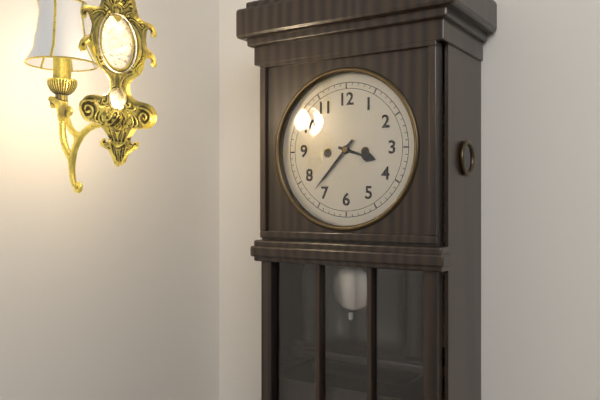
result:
{"hour": 3, "minute": 37}
